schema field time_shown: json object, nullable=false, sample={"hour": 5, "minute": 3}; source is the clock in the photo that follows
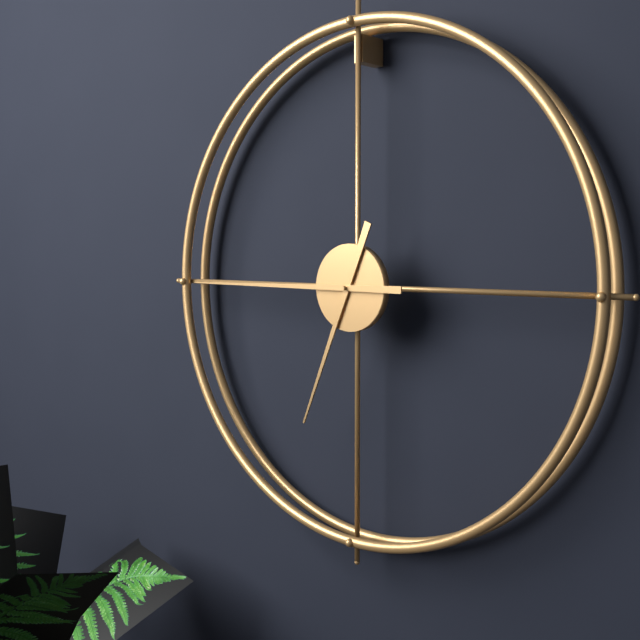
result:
{"hour": 6, "minute": 45}
